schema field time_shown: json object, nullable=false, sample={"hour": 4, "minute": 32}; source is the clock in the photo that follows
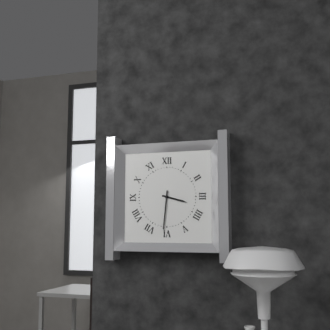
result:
{"hour": 3, "minute": 31}
